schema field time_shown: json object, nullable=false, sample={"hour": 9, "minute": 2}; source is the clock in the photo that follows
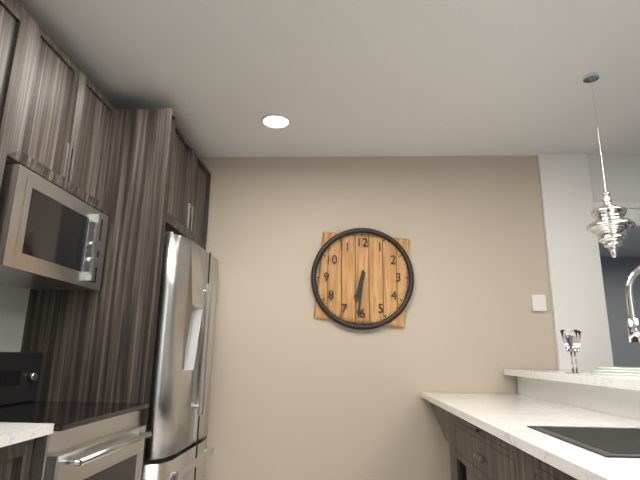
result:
{"hour": 6, "minute": 31}
